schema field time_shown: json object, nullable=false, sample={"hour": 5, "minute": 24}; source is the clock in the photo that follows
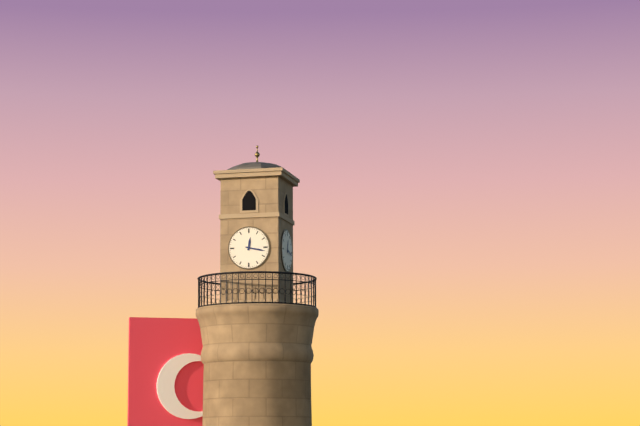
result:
{"hour": 12, "minute": 17}
